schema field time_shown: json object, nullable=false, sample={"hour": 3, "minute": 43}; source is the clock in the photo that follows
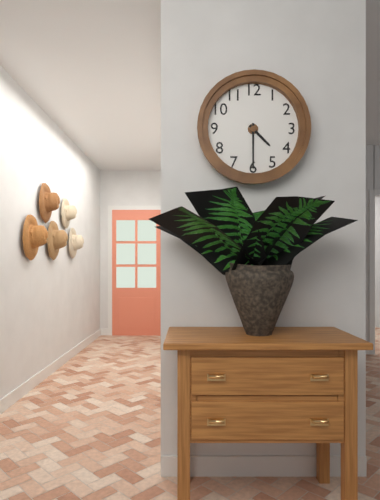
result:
{"hour": 4, "minute": 30}
